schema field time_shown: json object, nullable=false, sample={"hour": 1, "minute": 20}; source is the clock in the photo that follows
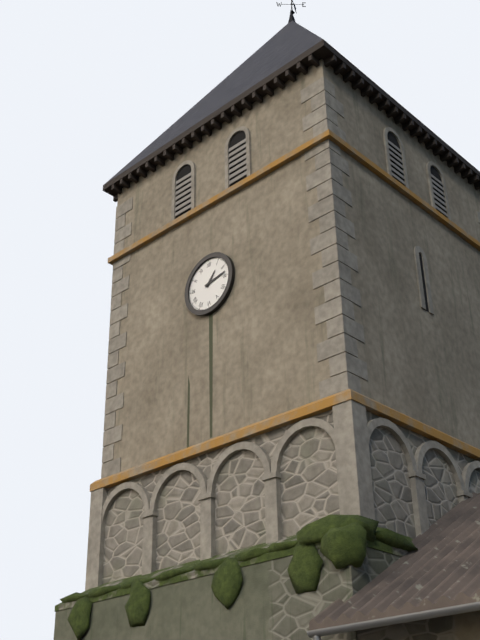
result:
{"hour": 1, "minute": 13}
